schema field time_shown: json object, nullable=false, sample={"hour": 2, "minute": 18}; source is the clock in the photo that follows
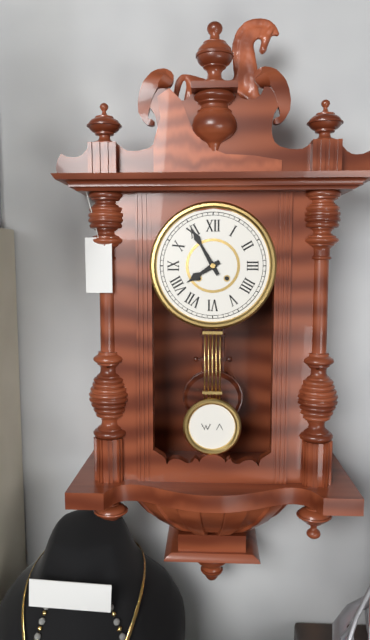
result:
{"hour": 7, "minute": 55}
